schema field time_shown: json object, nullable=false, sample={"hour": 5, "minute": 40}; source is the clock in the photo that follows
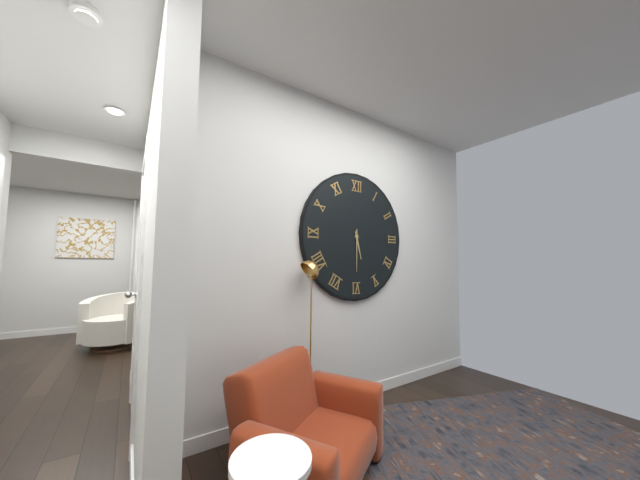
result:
{"hour": 5, "minute": 30}
